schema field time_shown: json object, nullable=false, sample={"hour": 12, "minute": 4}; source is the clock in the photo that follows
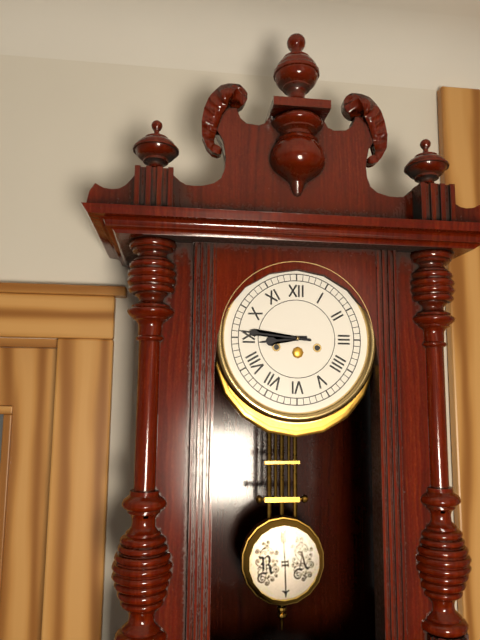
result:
{"hour": 8, "minute": 46}
